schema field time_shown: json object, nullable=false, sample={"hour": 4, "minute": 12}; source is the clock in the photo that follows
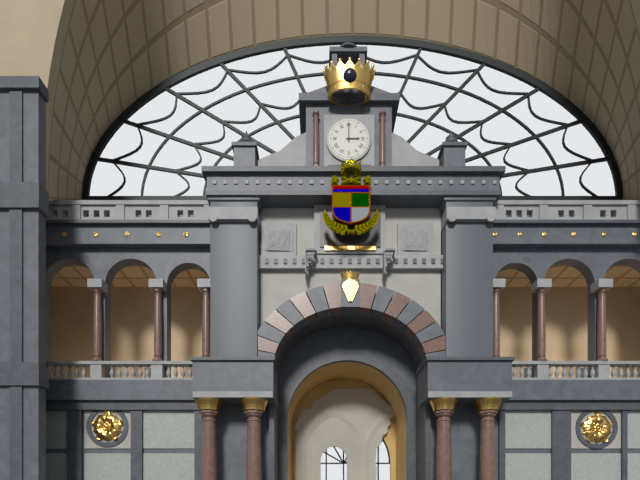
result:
{"hour": 3, "minute": 0}
